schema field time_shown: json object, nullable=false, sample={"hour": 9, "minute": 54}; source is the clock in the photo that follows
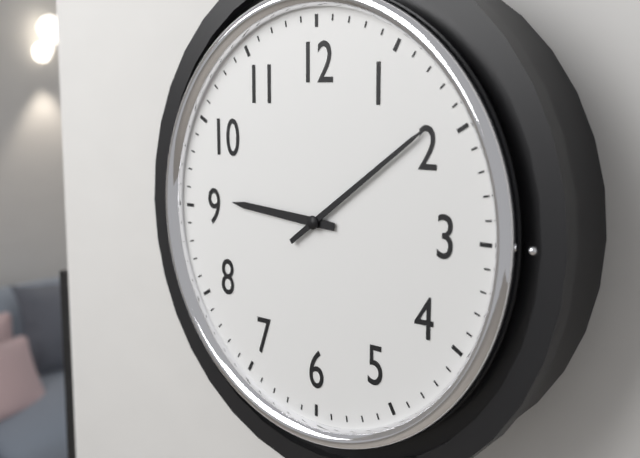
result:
{"hour": 9, "minute": 9}
